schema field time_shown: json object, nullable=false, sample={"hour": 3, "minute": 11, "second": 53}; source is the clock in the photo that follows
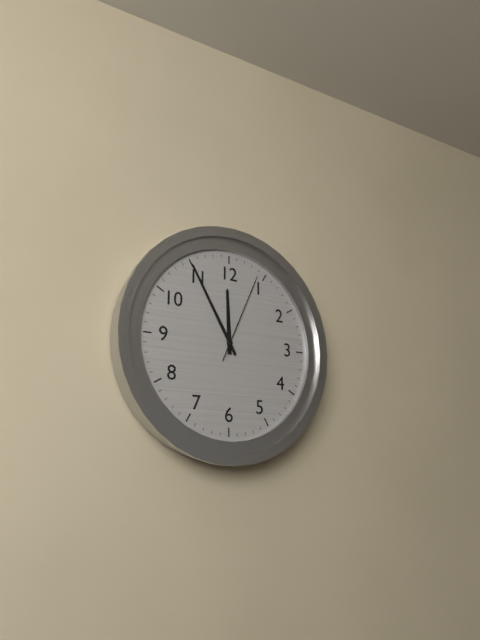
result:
{"hour": 11, "minute": 55, "second": 4}
